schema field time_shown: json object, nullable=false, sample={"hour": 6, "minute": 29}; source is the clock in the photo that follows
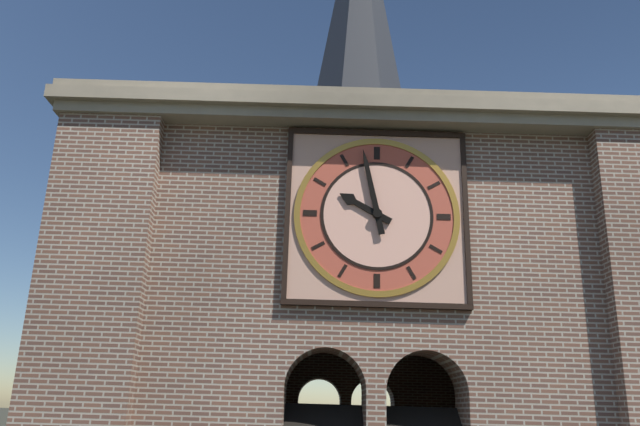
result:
{"hour": 9, "minute": 58}
